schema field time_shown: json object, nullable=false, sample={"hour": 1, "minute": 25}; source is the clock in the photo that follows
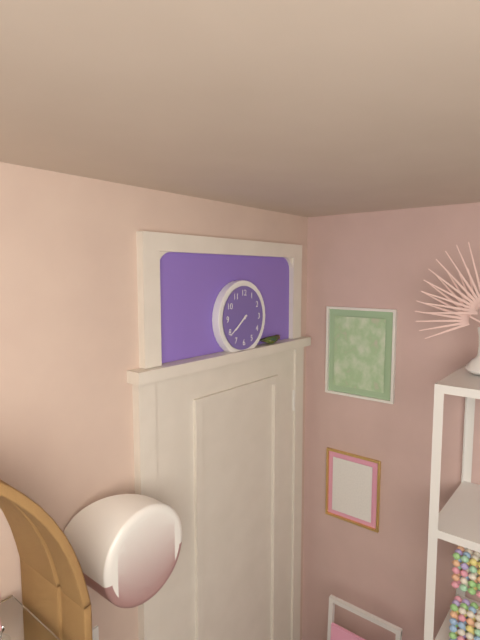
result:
{"hour": 7, "minute": 39}
